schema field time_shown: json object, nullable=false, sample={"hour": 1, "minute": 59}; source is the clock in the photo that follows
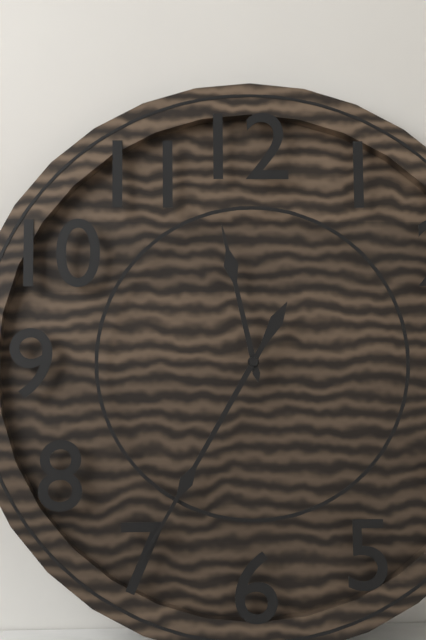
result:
{"hour": 11, "minute": 35}
